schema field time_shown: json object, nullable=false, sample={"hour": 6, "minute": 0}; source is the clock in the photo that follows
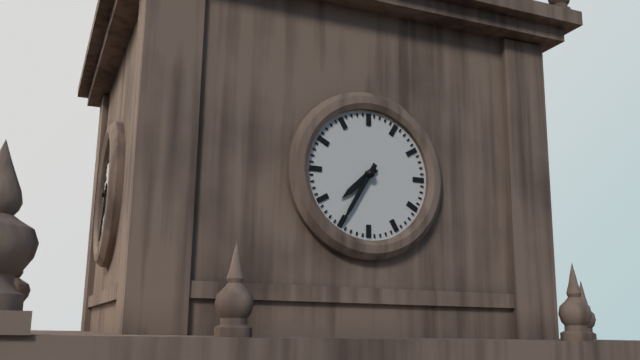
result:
{"hour": 7, "minute": 35}
